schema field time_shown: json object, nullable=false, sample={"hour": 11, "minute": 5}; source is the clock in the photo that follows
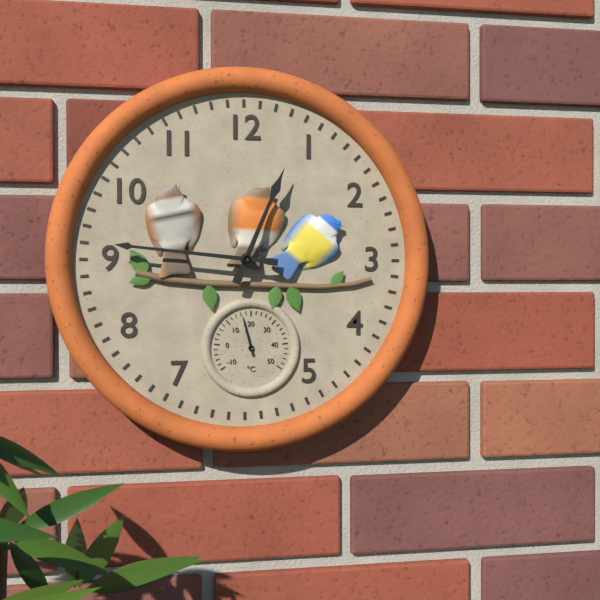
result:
{"hour": 12, "minute": 46}
